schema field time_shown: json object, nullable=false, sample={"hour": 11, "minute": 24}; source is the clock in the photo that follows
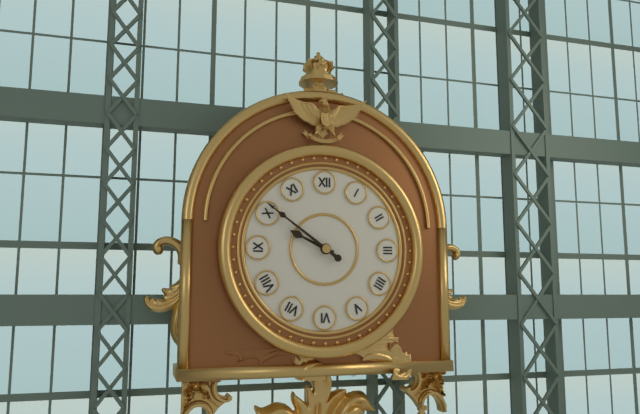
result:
{"hour": 9, "minute": 51}
